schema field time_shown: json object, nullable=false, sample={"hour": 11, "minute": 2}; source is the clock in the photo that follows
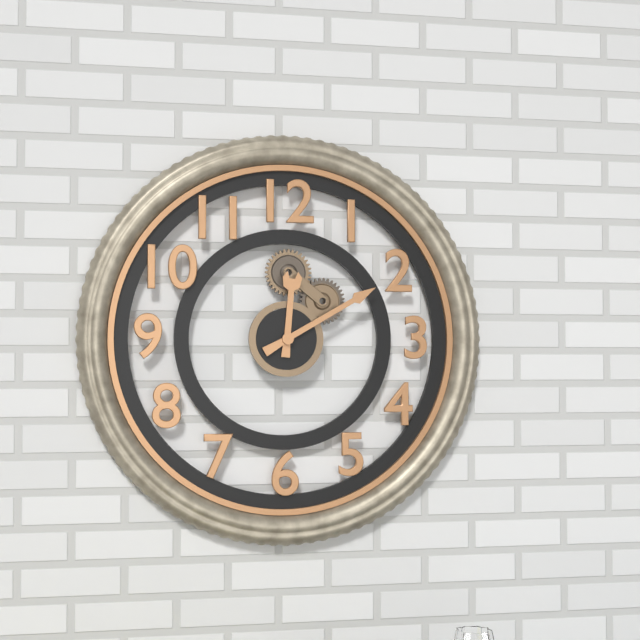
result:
{"hour": 12, "minute": 10}
